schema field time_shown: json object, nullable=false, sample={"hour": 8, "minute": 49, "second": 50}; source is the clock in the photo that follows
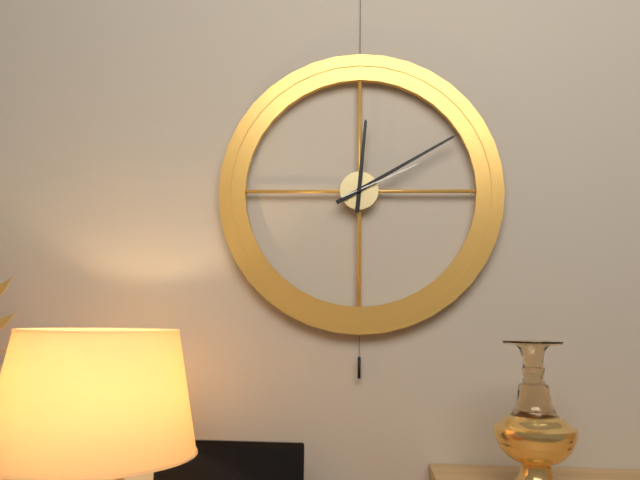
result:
{"hour": 12, "minute": 10, "second": 11}
